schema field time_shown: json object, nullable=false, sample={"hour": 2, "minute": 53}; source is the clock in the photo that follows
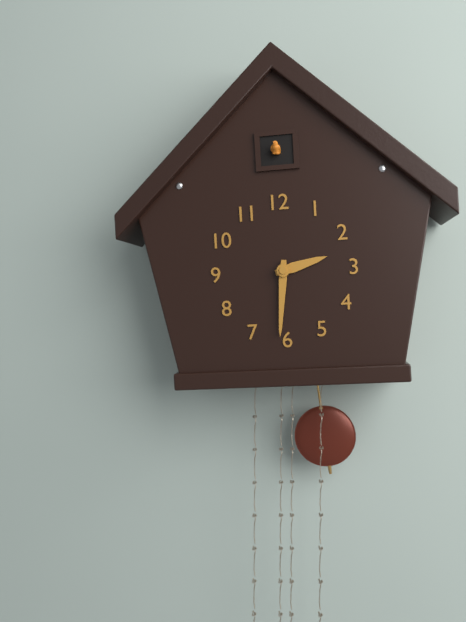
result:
{"hour": 2, "minute": 31}
